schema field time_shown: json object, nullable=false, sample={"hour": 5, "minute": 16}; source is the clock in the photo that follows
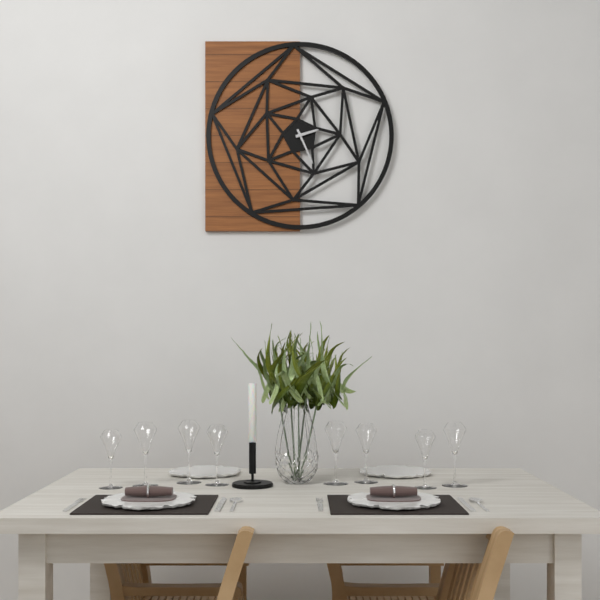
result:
{"hour": 2, "minute": 26}
